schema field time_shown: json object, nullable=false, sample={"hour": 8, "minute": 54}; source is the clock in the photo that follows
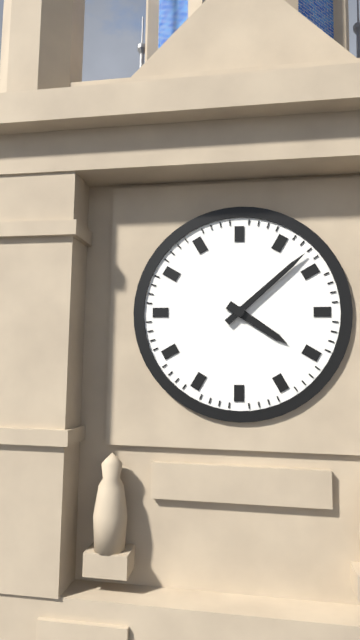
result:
{"hour": 4, "minute": 8}
